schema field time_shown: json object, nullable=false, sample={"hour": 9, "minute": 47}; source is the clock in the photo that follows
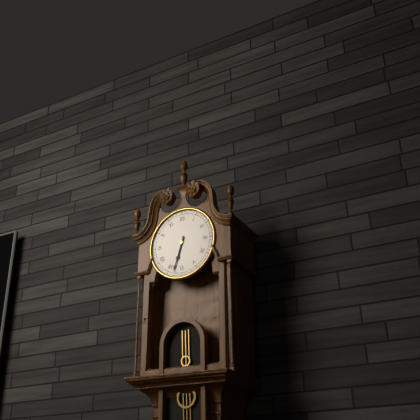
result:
{"hour": 6, "minute": 33}
